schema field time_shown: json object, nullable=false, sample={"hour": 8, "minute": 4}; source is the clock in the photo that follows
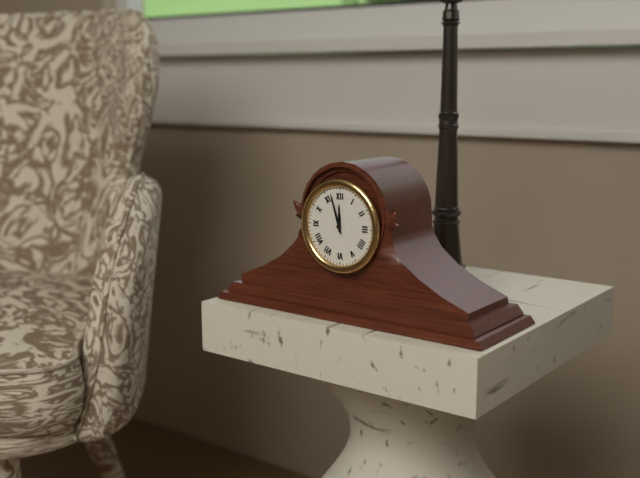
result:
{"hour": 11, "minute": 57}
